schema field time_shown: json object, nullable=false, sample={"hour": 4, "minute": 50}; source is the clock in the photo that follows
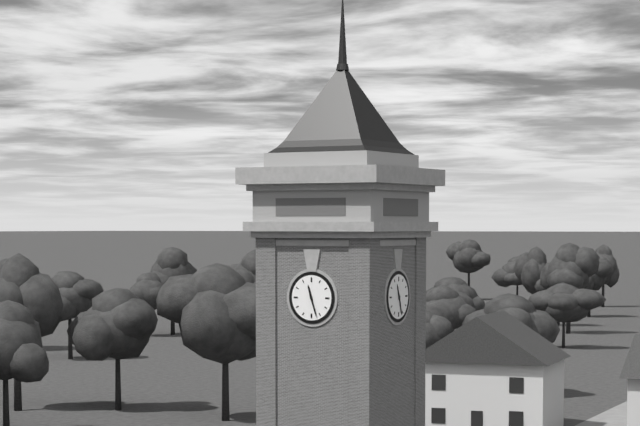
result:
{"hour": 11, "minute": 27}
